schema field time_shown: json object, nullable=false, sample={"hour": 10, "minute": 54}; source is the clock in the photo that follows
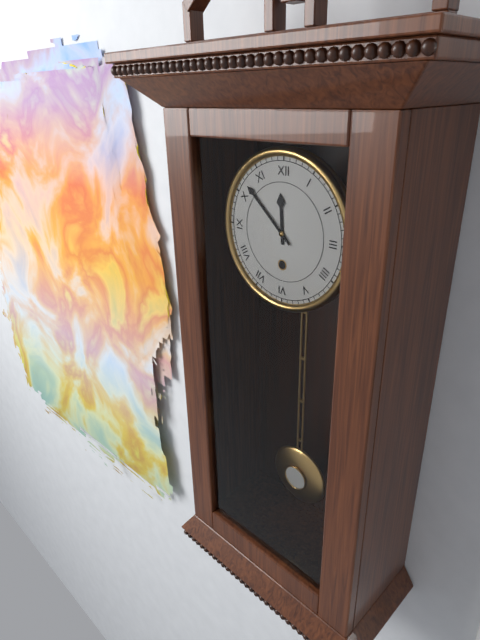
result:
{"hour": 11, "minute": 52}
